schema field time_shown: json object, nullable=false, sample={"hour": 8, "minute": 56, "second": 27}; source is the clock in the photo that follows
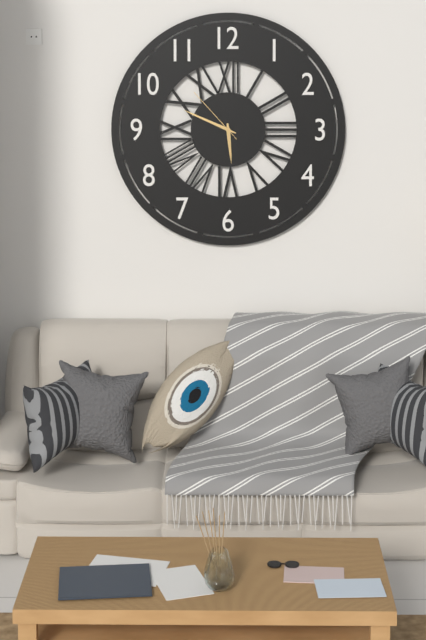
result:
{"hour": 5, "minute": 49, "second": 53}
